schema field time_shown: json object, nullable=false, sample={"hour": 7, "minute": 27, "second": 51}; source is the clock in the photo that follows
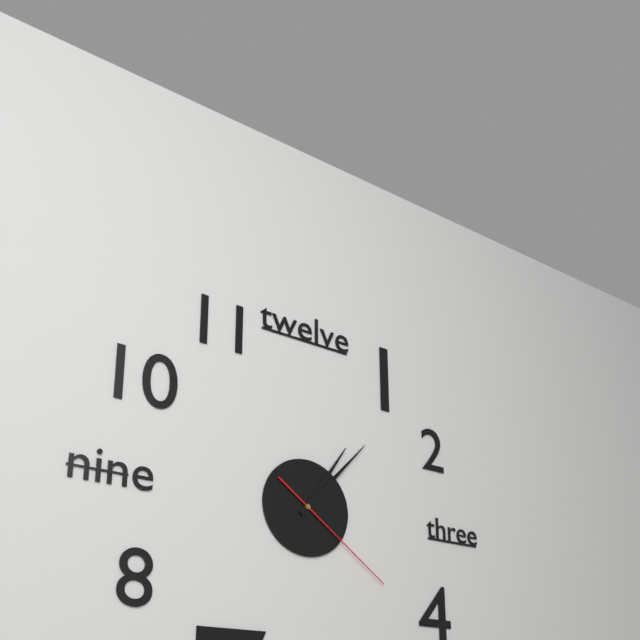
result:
{"hour": 1, "minute": 7, "second": 21}
